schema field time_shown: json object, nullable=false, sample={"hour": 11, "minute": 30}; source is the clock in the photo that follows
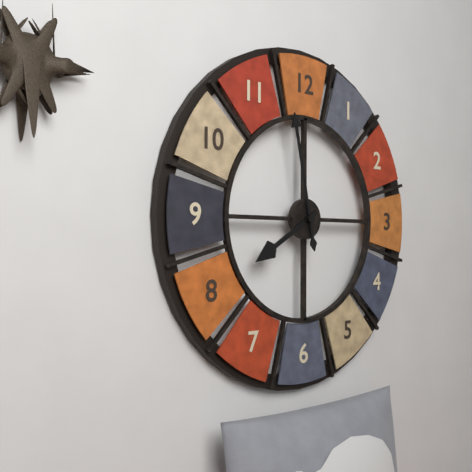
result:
{"hour": 7, "minute": 58}
